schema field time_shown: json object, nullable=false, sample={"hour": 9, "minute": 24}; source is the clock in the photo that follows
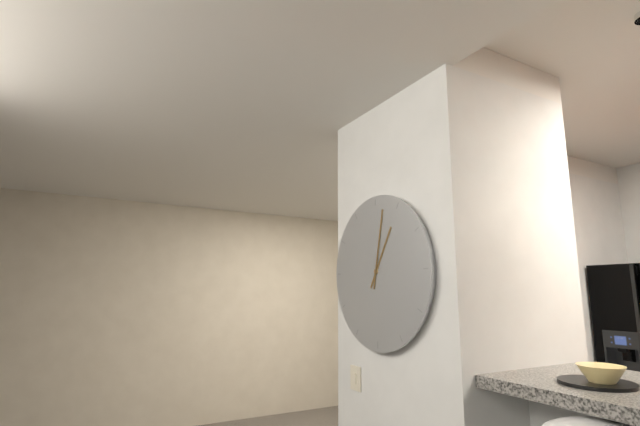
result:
{"hour": 1, "minute": 2}
